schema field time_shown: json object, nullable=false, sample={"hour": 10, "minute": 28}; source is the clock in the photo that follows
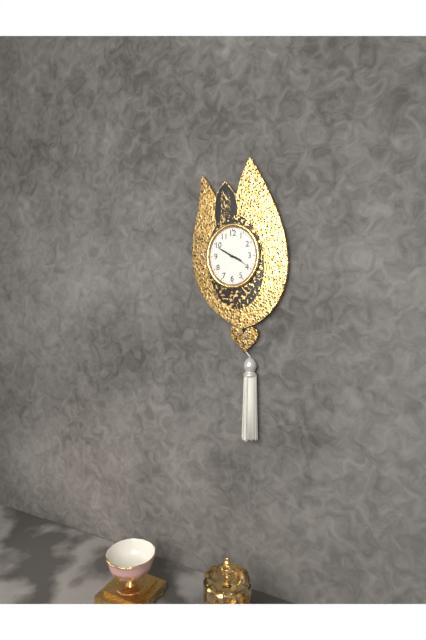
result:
{"hour": 3, "minute": 50}
